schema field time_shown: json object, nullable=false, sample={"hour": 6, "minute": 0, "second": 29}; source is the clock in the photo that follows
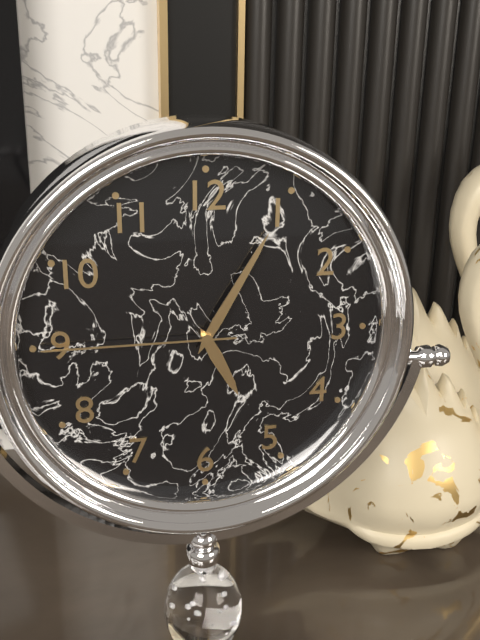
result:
{"hour": 5, "minute": 5, "second": 45}
